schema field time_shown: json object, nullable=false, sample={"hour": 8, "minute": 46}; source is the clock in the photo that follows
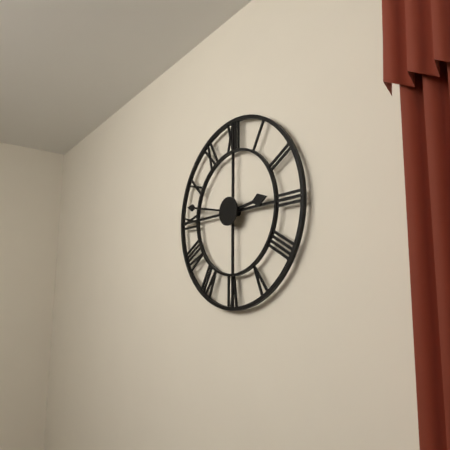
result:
{"hour": 2, "minute": 47}
